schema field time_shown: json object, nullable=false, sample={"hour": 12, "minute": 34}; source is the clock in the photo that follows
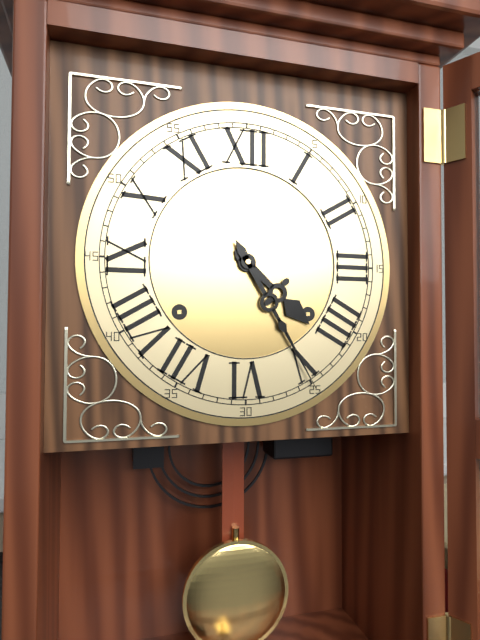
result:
{"hour": 4, "minute": 25}
